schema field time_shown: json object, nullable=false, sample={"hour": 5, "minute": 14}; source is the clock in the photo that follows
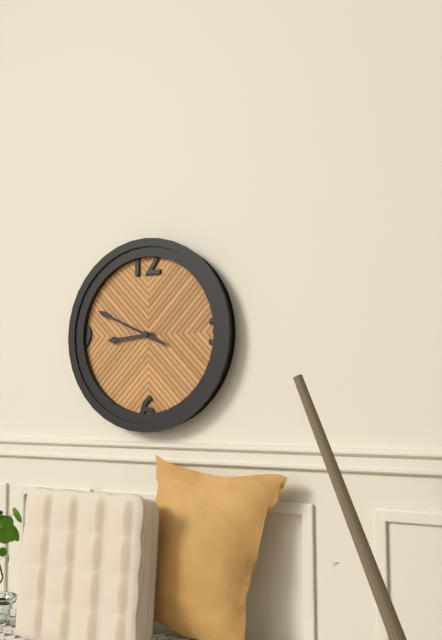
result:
{"hour": 8, "minute": 49}
